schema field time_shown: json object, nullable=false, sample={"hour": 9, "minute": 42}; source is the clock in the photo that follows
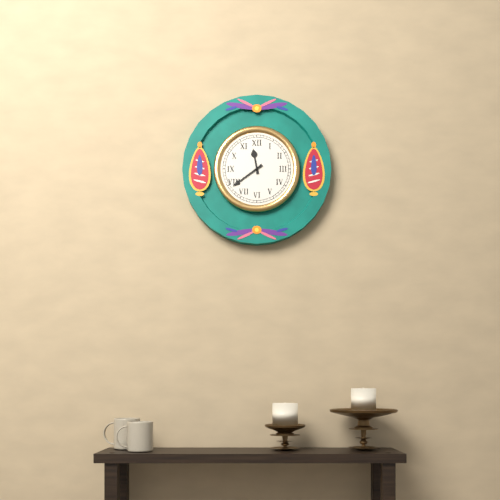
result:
{"hour": 11, "minute": 39}
